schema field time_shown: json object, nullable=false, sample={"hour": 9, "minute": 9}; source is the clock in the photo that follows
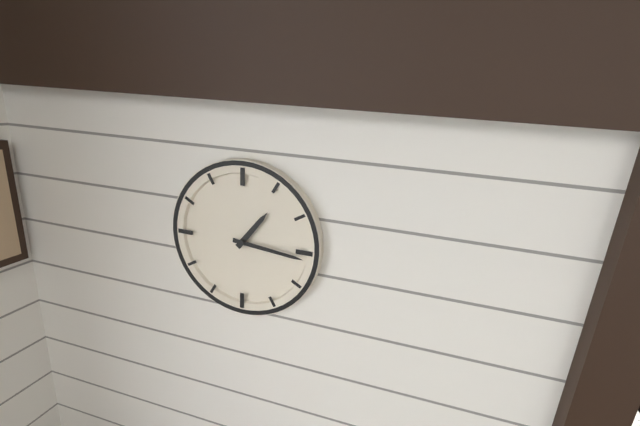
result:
{"hour": 1, "minute": 16}
